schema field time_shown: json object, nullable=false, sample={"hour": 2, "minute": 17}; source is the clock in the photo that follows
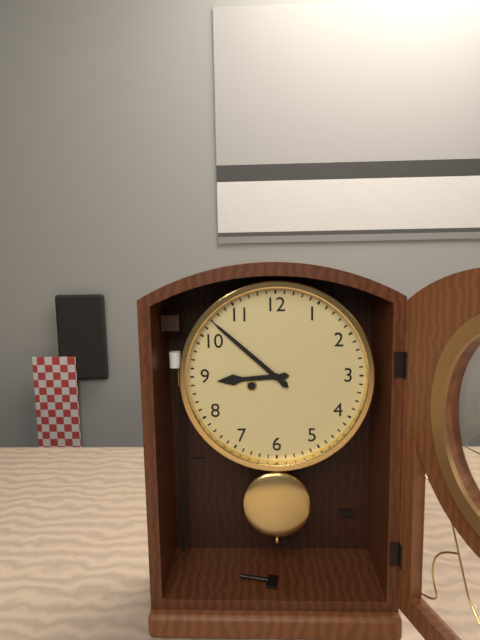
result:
{"hour": 8, "minute": 52}
